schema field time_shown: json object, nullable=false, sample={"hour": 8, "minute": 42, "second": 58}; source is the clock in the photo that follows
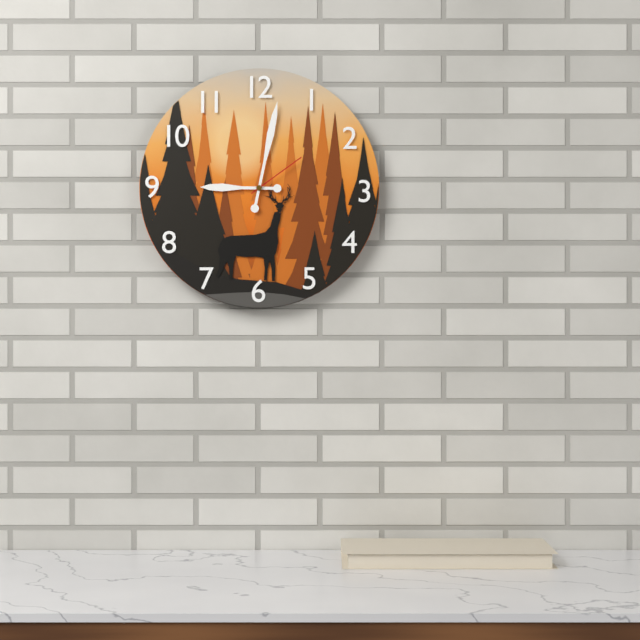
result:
{"hour": 9, "minute": 2, "second": 9}
